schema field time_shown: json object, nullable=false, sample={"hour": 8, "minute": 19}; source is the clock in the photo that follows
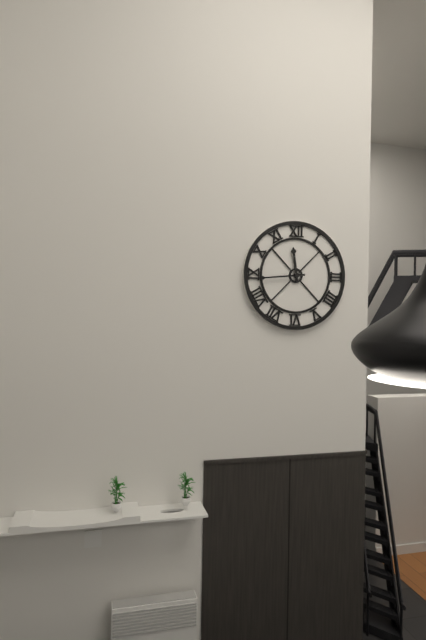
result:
{"hour": 11, "minute": 44}
